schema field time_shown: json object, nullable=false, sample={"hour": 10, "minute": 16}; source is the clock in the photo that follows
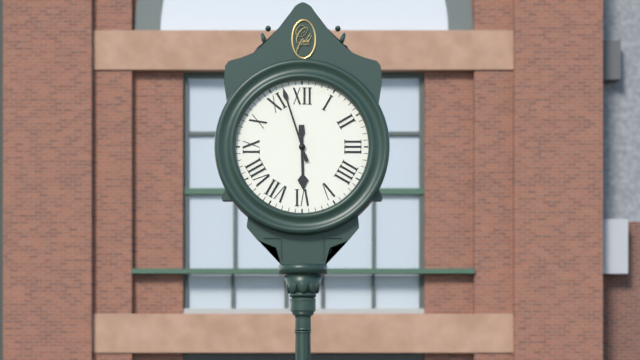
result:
{"hour": 5, "minute": 57}
